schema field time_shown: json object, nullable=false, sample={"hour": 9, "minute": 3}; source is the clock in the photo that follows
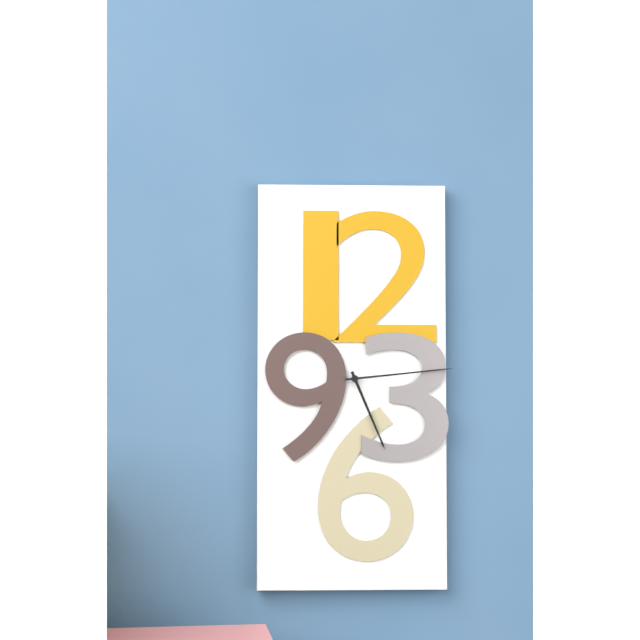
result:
{"hour": 5, "minute": 14}
